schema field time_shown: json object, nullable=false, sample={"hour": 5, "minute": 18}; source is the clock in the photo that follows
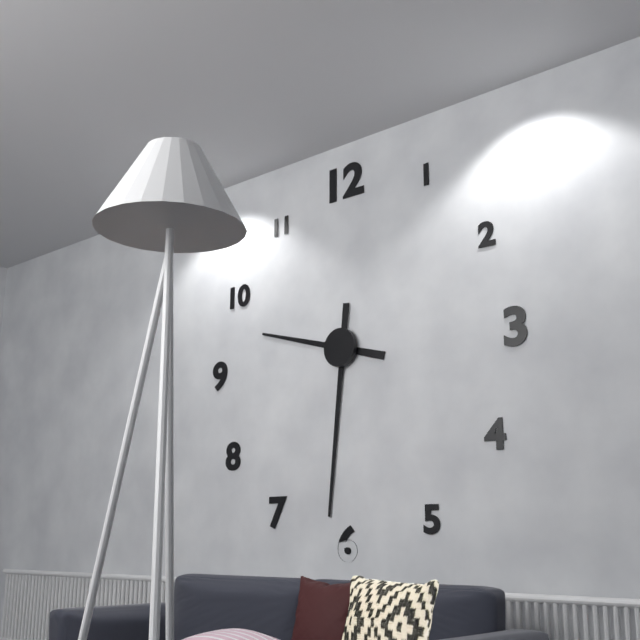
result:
{"hour": 9, "minute": 31}
